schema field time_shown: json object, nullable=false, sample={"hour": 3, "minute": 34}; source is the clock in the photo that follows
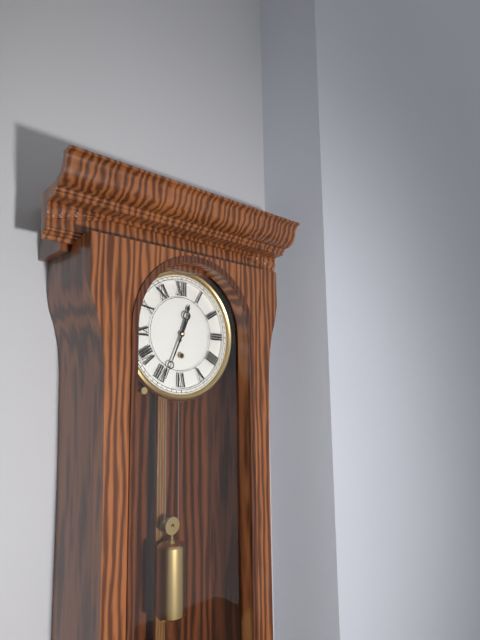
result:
{"hour": 12, "minute": 34}
